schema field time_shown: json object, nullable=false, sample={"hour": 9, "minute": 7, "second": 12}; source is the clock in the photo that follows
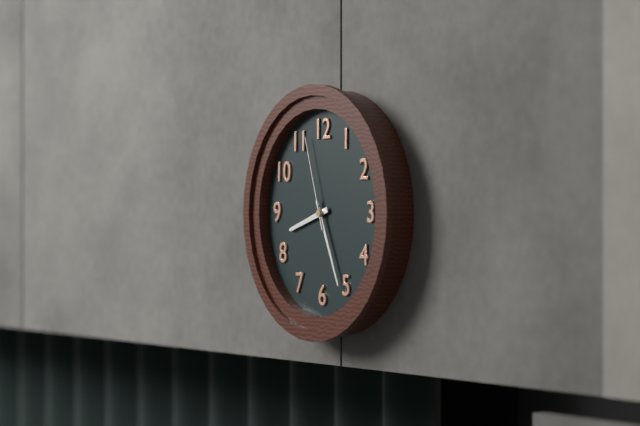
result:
{"hour": 8, "minute": 26, "second": 57}
